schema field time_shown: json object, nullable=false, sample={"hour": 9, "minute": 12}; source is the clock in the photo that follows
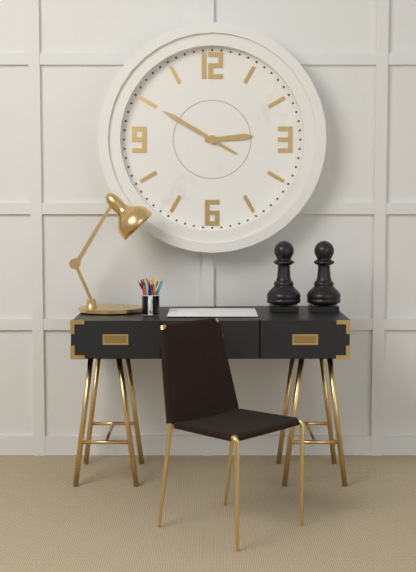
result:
{"hour": 2, "minute": 50}
